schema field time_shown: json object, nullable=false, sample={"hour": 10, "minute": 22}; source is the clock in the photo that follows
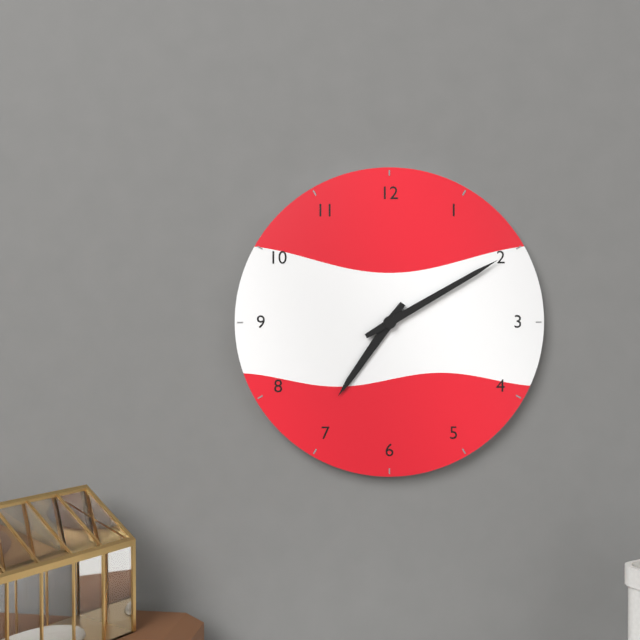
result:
{"hour": 7, "minute": 10}
